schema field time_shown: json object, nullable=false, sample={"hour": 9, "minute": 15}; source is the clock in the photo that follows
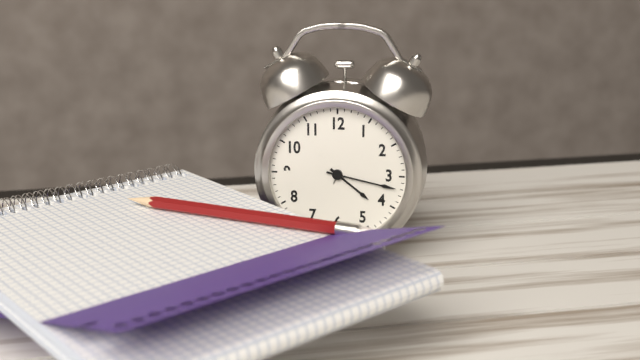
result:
{"hour": 4, "minute": 17}
